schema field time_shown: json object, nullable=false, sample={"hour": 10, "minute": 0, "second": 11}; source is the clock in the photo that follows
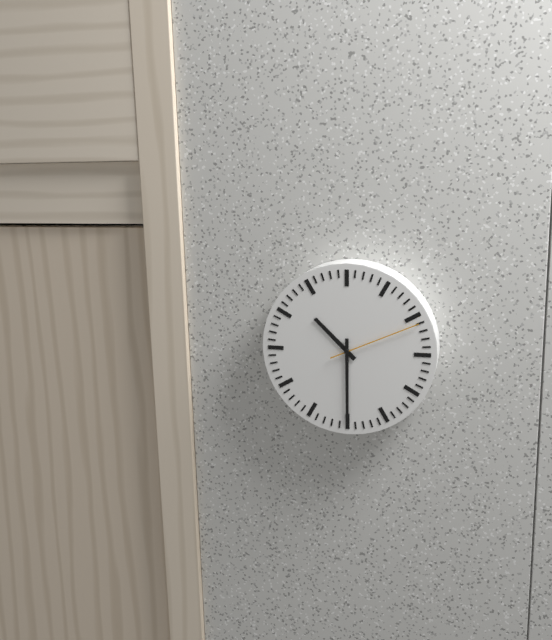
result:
{"hour": 10, "minute": 30, "second": 11}
